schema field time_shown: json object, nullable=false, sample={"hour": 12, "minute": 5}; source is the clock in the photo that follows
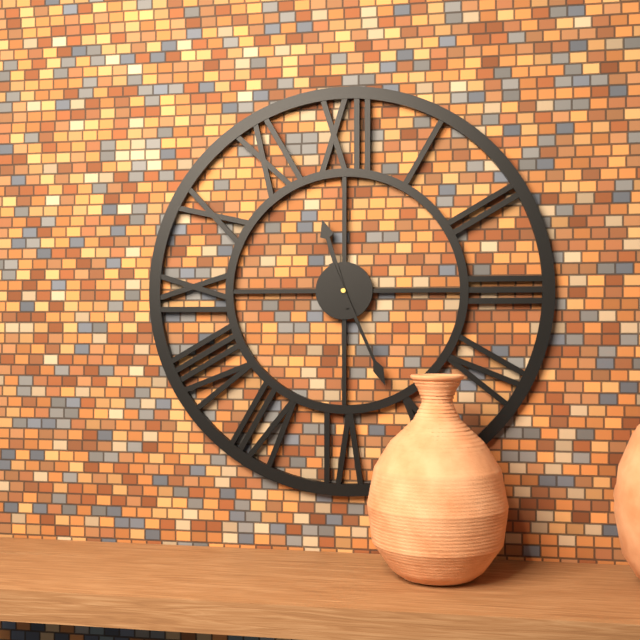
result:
{"hour": 11, "minute": 26}
